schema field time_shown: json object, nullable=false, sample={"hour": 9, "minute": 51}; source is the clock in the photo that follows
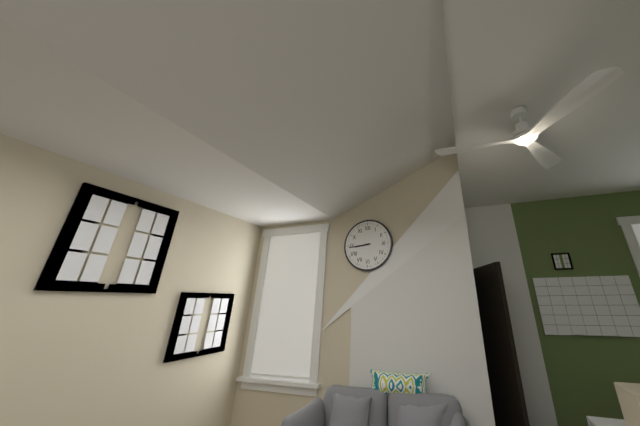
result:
{"hour": 8, "minute": 44}
